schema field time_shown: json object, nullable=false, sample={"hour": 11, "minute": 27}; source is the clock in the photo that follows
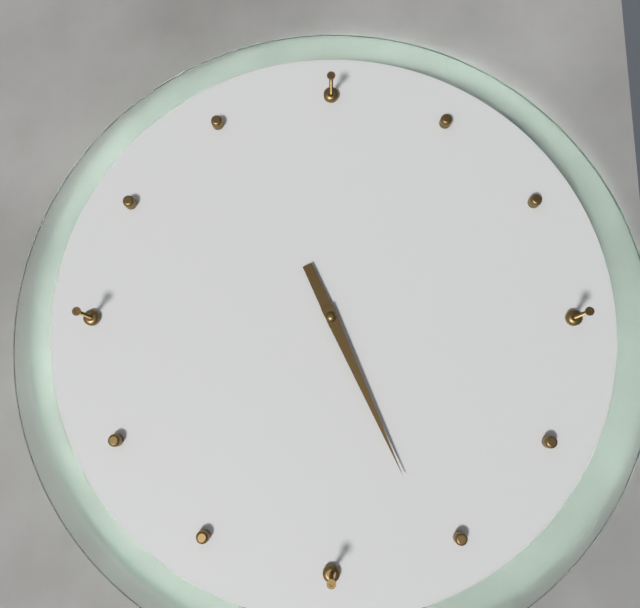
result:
{"hour": 8, "minute": 11}
